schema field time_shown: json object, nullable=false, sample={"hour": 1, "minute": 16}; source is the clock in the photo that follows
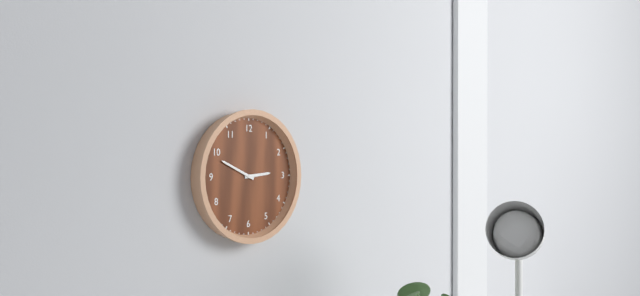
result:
{"hour": 2, "minute": 49}
